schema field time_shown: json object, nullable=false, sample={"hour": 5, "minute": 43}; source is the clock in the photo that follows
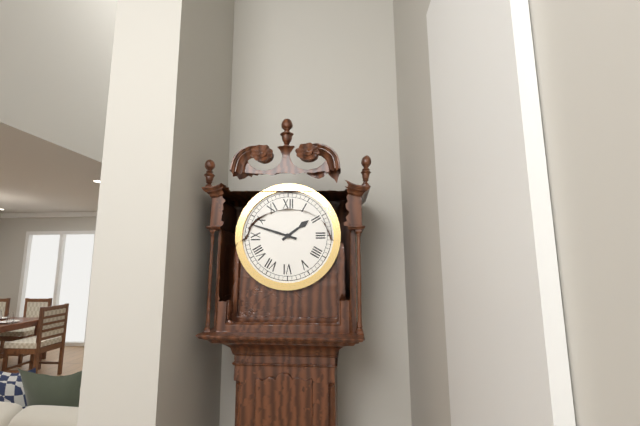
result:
{"hour": 1, "minute": 48}
